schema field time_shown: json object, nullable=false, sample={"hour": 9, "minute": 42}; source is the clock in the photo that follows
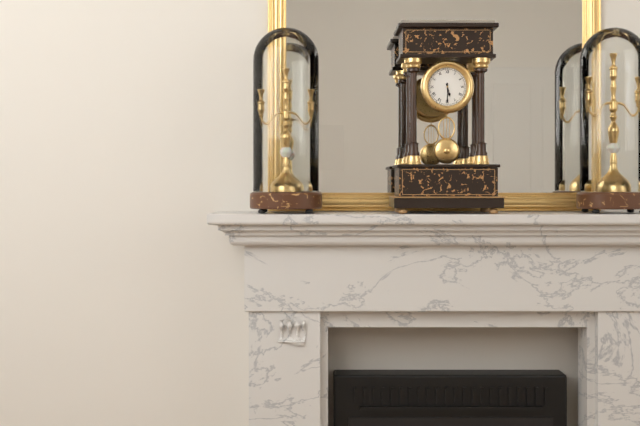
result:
{"hour": 5, "minute": 30}
